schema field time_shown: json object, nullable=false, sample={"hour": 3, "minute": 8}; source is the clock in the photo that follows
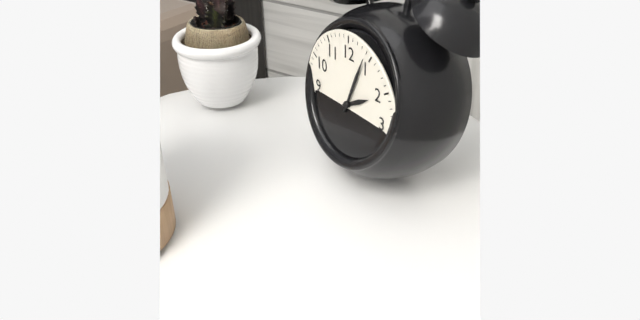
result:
{"hour": 2, "minute": 4}
